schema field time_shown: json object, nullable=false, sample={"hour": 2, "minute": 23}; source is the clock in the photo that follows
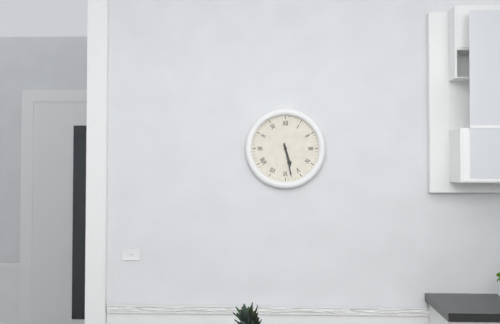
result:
{"hour": 5, "minute": 28}
